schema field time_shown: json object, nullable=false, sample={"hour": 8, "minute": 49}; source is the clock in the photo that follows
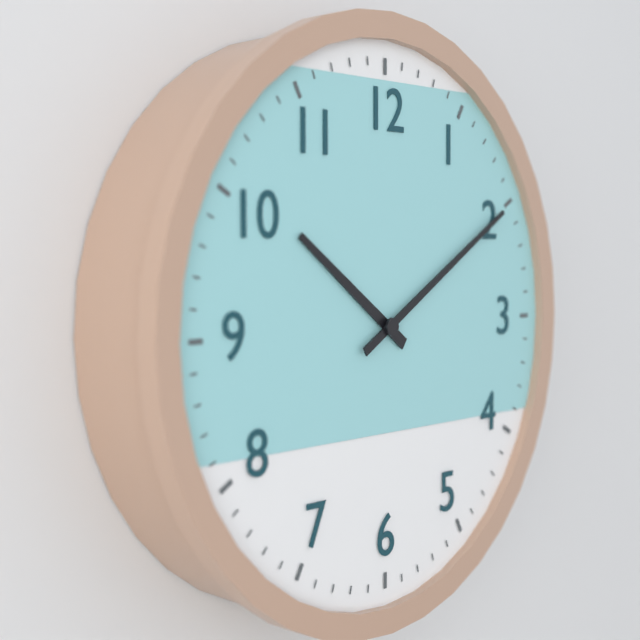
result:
{"hour": 10, "minute": 10}
